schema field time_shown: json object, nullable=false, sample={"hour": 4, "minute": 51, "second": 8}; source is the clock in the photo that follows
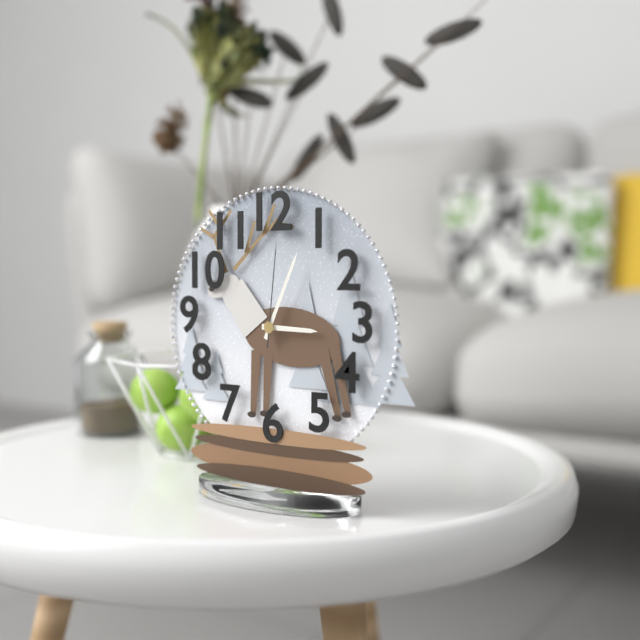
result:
{"hour": 3, "minute": 4, "second": 1}
